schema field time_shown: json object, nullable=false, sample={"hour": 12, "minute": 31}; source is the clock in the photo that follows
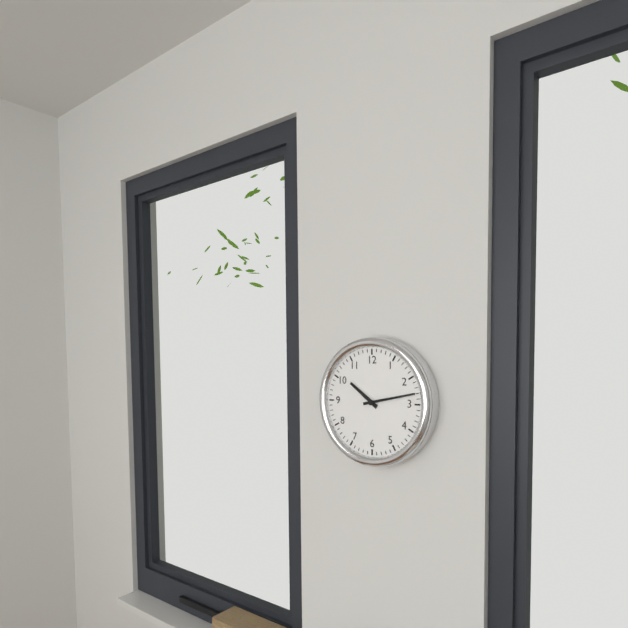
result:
{"hour": 10, "minute": 13}
